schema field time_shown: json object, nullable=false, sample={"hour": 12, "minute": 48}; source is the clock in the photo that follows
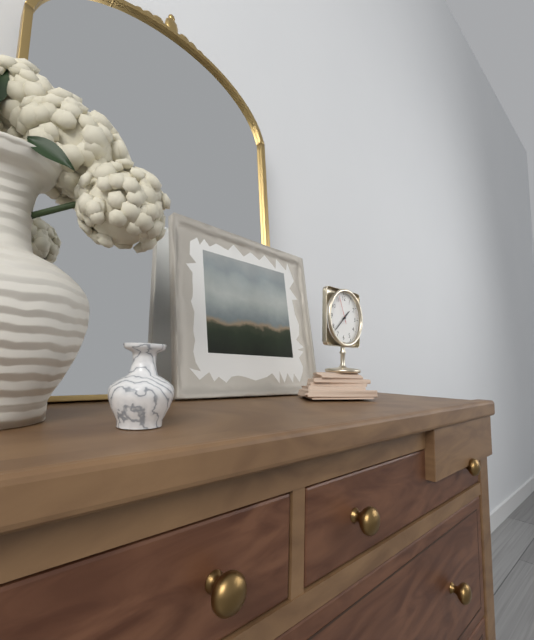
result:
{"hour": 1, "minute": 38}
